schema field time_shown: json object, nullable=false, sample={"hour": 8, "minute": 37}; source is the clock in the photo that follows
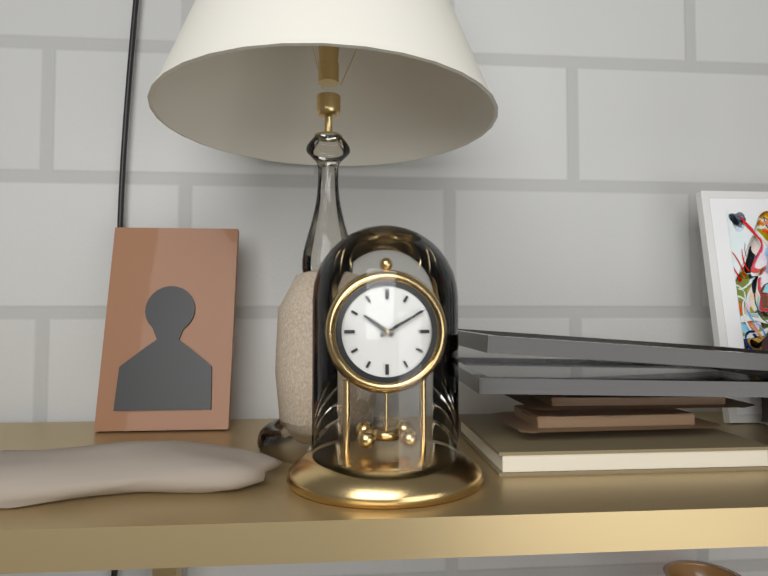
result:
{"hour": 10, "minute": 10}
